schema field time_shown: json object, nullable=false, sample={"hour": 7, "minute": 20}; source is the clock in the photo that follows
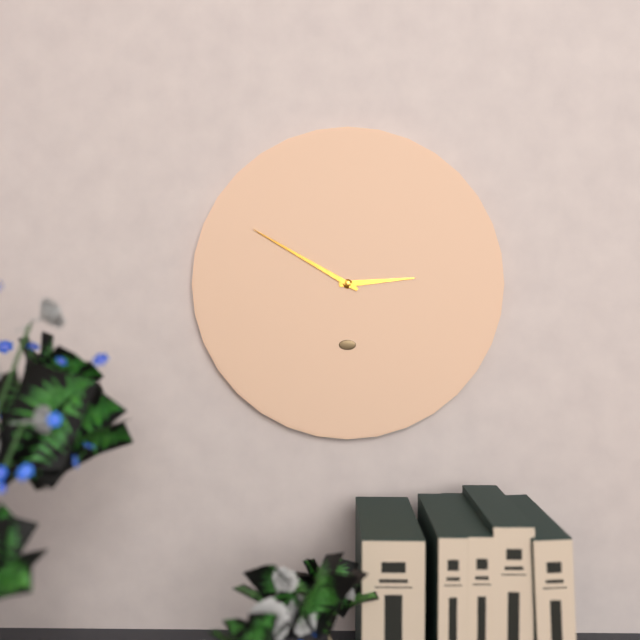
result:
{"hour": 2, "minute": 50}
